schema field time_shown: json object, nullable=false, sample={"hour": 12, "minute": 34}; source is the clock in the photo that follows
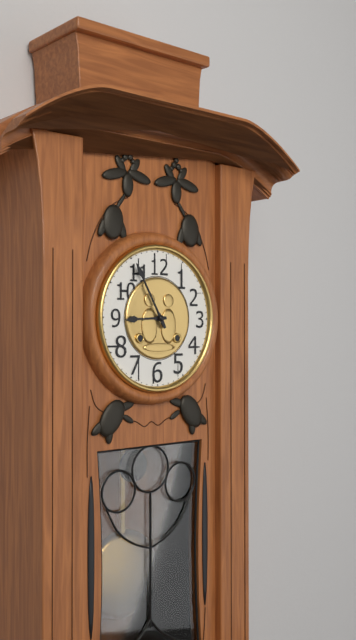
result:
{"hour": 8, "minute": 55}
